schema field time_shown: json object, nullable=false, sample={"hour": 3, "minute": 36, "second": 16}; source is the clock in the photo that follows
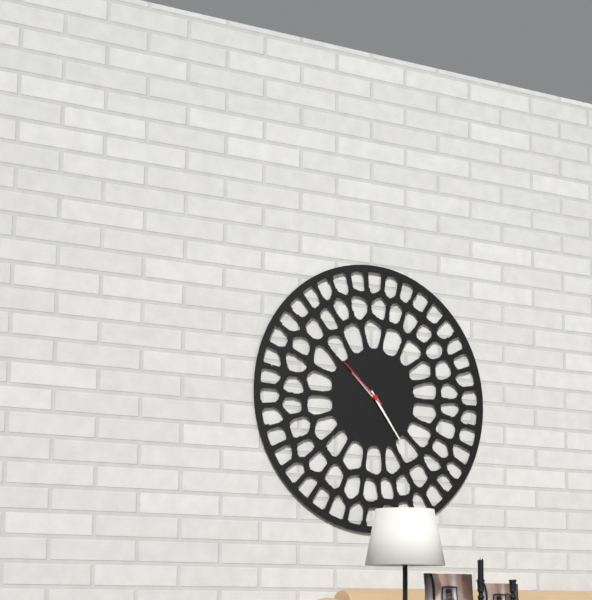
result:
{"hour": 10, "minute": 24, "second": 52}
